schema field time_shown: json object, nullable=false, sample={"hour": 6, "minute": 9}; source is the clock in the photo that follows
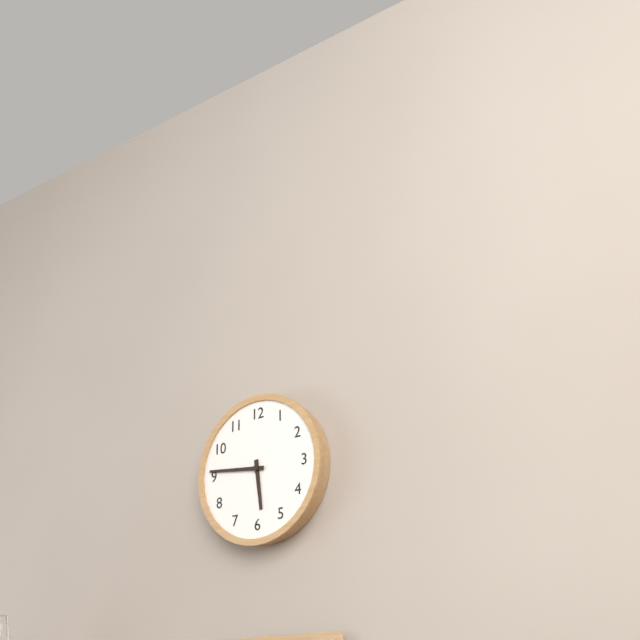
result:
{"hour": 5, "minute": 46}
